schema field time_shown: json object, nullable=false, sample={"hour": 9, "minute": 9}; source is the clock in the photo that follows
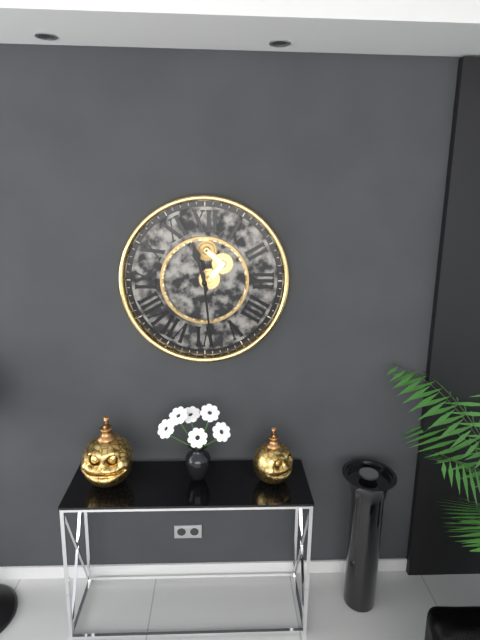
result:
{"hour": 11, "minute": 29}
